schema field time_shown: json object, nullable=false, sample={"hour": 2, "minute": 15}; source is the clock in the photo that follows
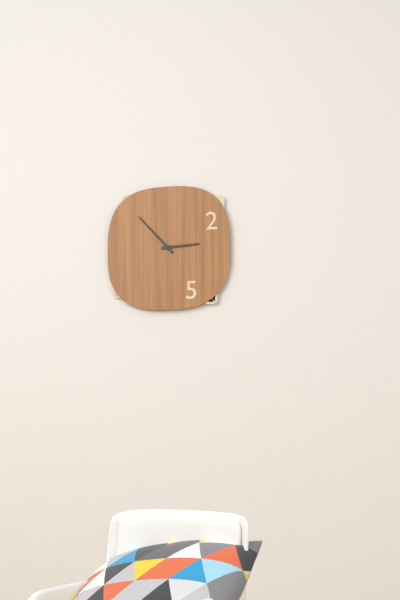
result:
{"hour": 2, "minute": 53}
